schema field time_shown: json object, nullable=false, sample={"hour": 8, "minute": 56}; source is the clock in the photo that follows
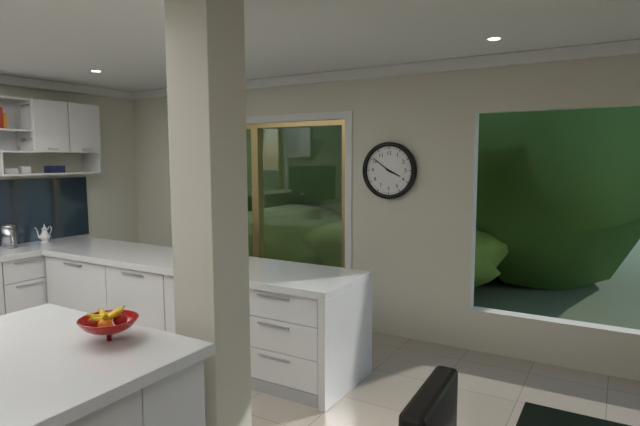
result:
{"hour": 3, "minute": 51}
